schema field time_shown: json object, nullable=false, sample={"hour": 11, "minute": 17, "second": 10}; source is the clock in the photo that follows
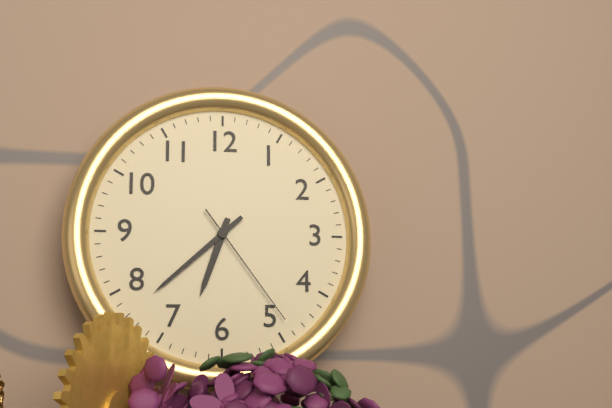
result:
{"hour": 6, "minute": 38, "second": 24}
